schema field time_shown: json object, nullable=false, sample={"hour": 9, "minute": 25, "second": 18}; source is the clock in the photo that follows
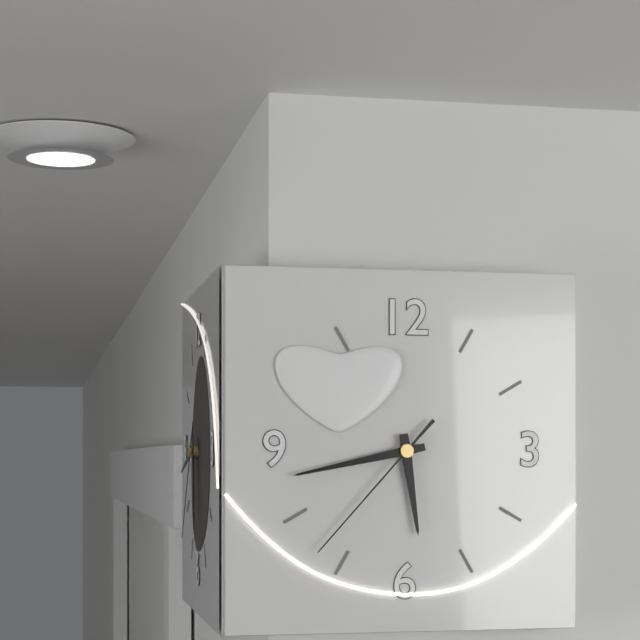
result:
{"hour": 5, "minute": 43, "second": 37}
